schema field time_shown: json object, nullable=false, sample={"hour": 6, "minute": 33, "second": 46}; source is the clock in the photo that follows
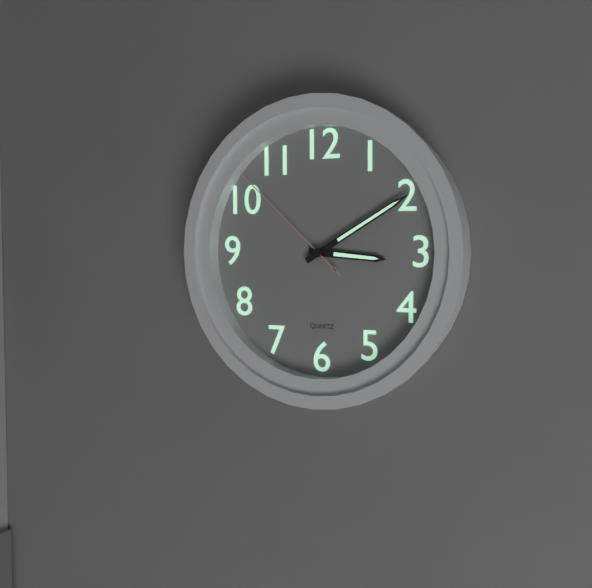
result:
{"hour": 3, "minute": 10, "second": 52}
